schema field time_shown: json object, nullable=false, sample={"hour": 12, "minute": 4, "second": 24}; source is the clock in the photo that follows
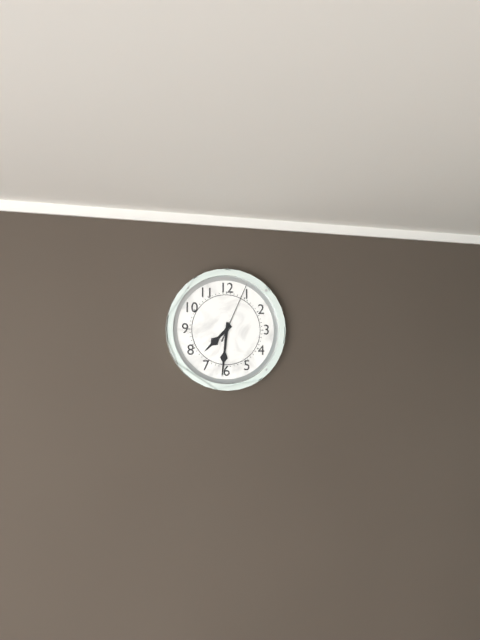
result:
{"hour": 7, "minute": 31, "second": 4}
